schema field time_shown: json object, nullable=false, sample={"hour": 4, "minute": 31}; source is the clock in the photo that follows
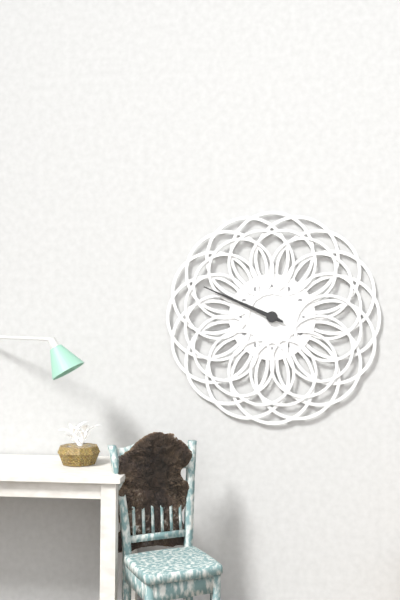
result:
{"hour": 9, "minute": 49}
